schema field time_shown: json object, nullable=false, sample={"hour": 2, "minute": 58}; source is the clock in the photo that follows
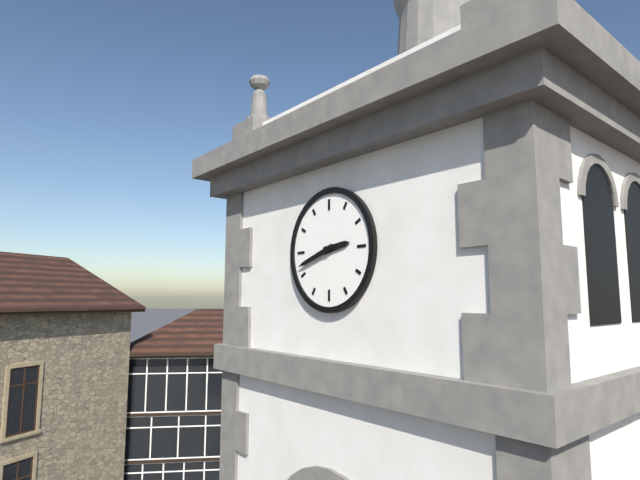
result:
{"hour": 2, "minute": 42}
